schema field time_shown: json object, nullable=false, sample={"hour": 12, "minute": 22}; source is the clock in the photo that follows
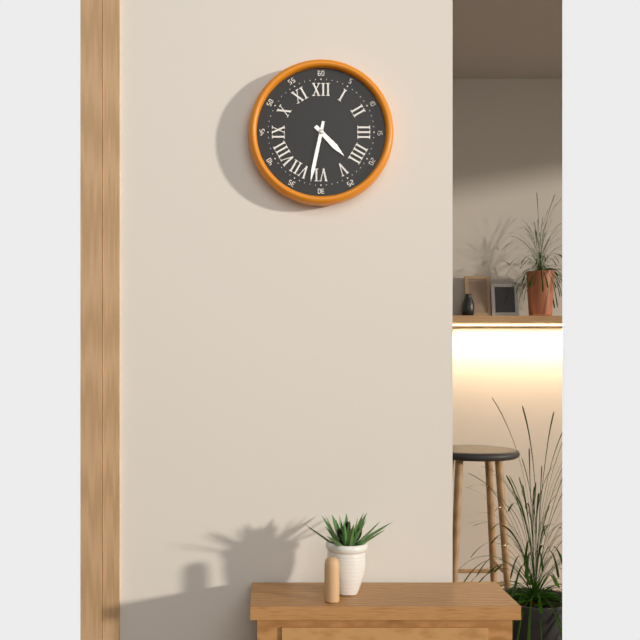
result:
{"hour": 4, "minute": 32}
